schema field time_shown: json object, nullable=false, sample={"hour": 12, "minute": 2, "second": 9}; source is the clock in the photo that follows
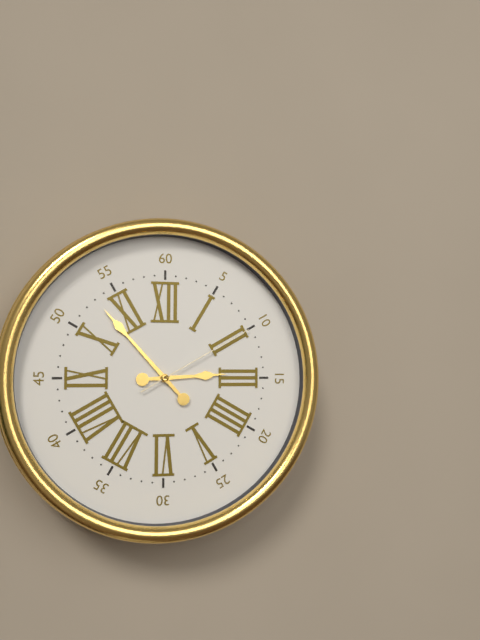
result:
{"hour": 2, "minute": 53, "second": 10}
